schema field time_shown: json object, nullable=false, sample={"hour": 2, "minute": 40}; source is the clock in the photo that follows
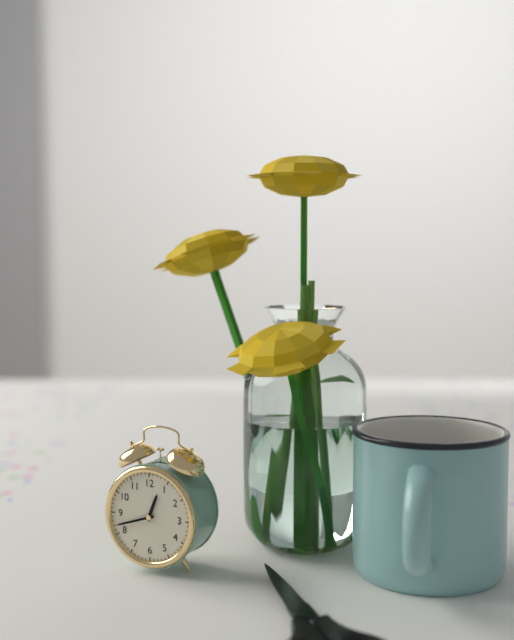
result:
{"hour": 12, "minute": 42}
